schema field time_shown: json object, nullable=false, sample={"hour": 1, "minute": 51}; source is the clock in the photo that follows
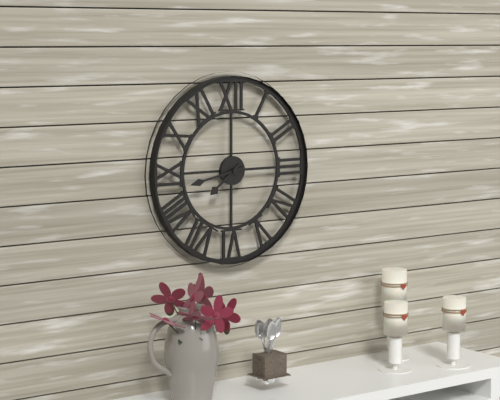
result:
{"hour": 7, "minute": 43}
